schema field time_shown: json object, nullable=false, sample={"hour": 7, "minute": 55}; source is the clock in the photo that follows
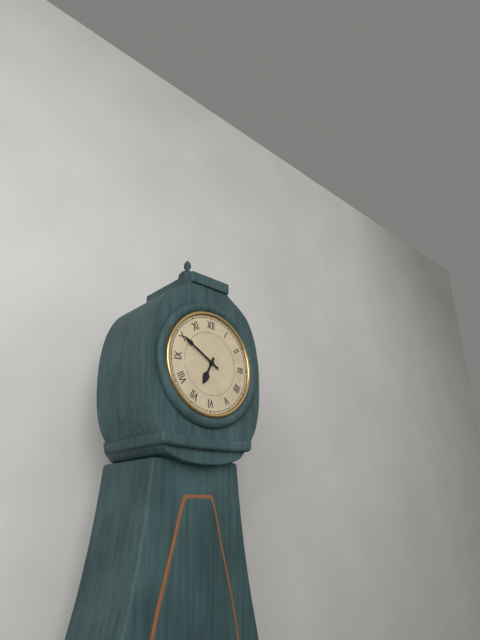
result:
{"hour": 6, "minute": 50}
